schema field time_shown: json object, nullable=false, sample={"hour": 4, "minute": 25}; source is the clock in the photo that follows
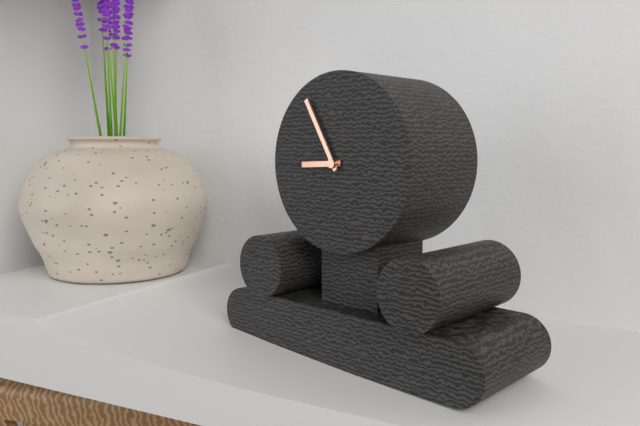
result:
{"hour": 8, "minute": 55}
